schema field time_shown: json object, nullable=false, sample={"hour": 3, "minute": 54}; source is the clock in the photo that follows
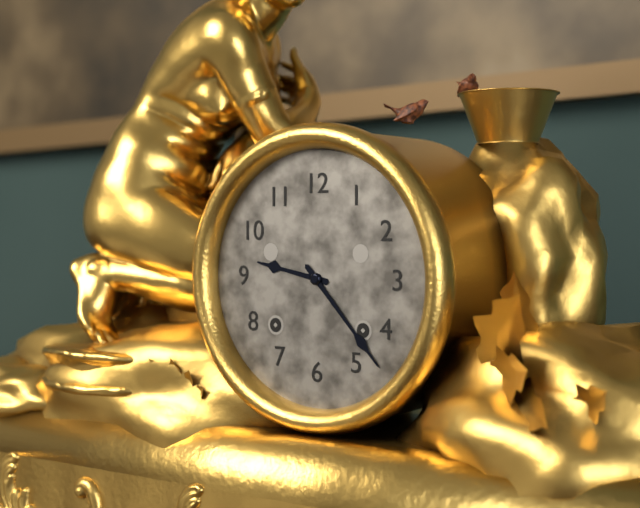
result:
{"hour": 9, "minute": 23}
